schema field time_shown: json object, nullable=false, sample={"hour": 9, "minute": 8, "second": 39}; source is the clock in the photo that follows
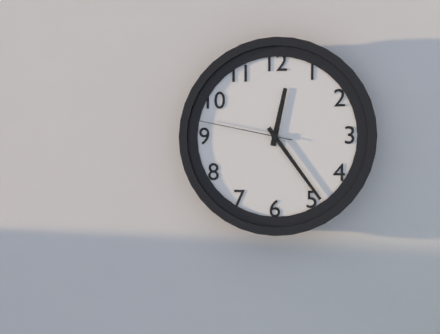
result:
{"hour": 12, "minute": 24, "second": 47}
